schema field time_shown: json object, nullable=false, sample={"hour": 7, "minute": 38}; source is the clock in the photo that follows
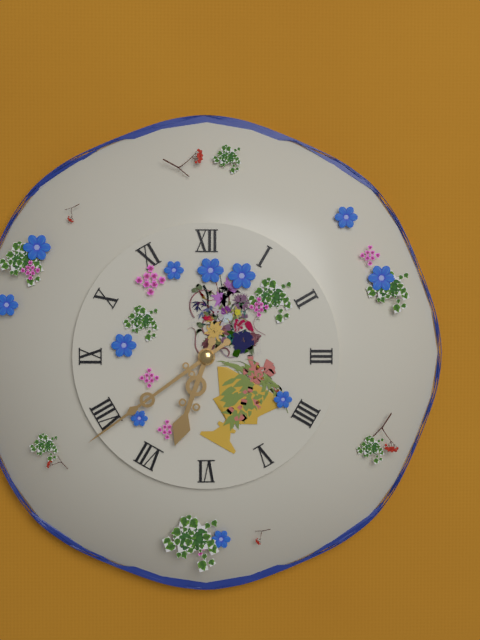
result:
{"hour": 6, "minute": 39}
